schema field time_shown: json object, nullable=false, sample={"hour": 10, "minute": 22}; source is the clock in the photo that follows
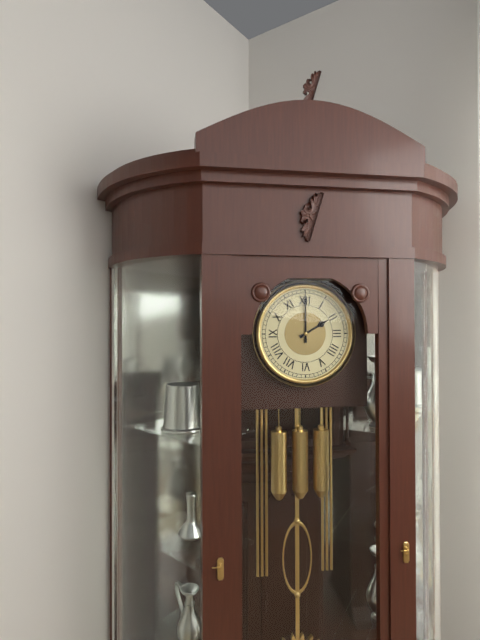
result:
{"hour": 2, "minute": 0}
